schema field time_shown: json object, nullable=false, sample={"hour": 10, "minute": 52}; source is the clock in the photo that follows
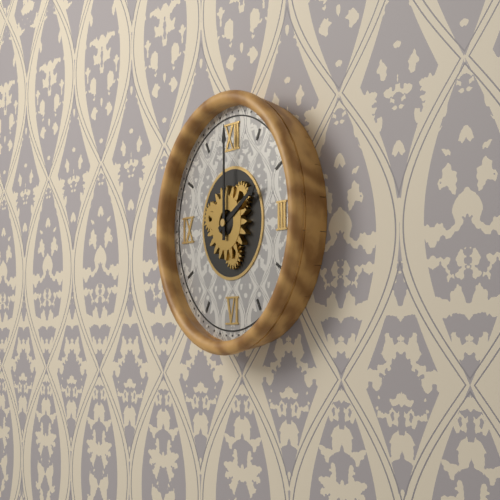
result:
{"hour": 2, "minute": 0}
